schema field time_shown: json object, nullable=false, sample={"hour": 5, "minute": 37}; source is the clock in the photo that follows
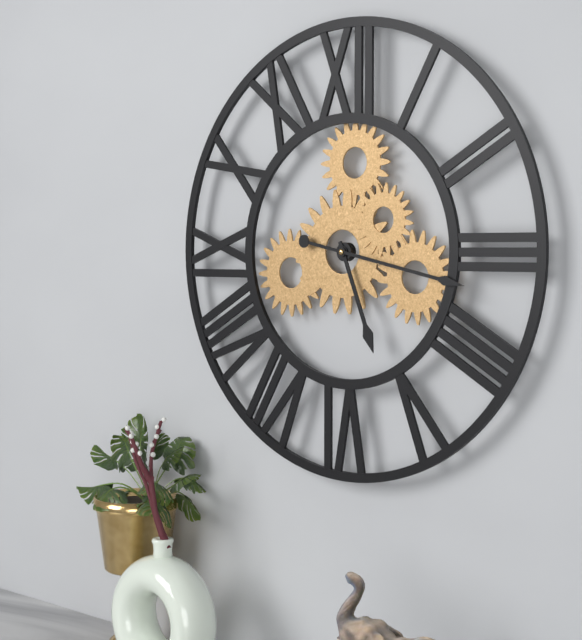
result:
{"hour": 5, "minute": 17}
